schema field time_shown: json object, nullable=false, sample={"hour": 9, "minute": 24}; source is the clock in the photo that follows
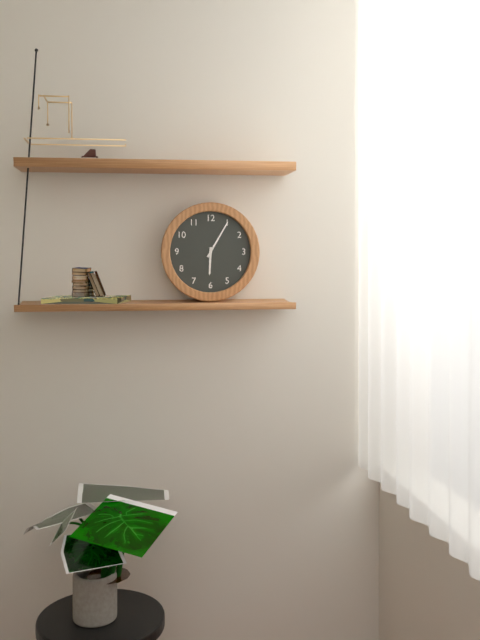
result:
{"hour": 6, "minute": 5}
